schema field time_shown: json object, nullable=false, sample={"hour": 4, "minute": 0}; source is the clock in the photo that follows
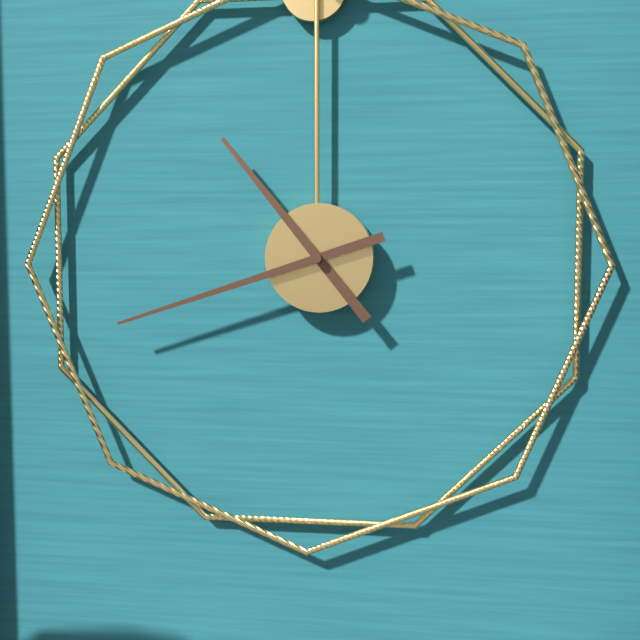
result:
{"hour": 10, "minute": 42}
